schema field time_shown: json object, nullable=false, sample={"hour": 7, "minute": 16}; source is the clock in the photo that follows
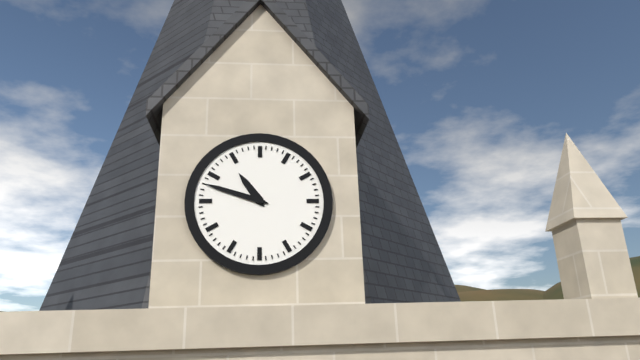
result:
{"hour": 10, "minute": 48}
